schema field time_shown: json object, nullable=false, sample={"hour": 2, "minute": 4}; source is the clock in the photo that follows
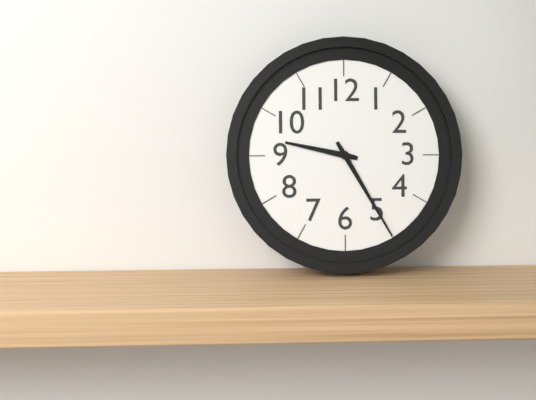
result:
{"hour": 9, "minute": 25}
